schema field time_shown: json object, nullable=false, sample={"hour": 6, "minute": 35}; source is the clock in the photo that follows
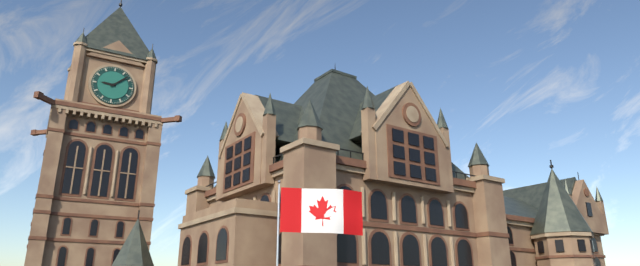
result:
{"hour": 9, "minute": 8}
